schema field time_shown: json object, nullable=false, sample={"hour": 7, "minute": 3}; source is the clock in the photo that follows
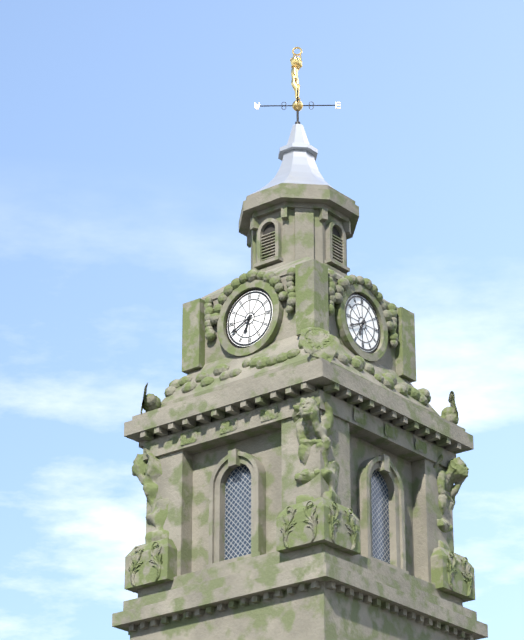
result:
{"hour": 6, "minute": 41}
